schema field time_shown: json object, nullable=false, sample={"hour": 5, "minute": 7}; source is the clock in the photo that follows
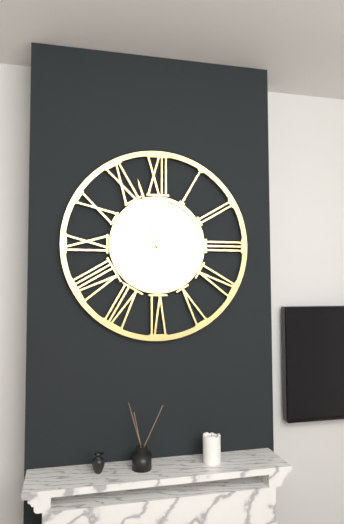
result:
{"hour": 2, "minute": 57}
